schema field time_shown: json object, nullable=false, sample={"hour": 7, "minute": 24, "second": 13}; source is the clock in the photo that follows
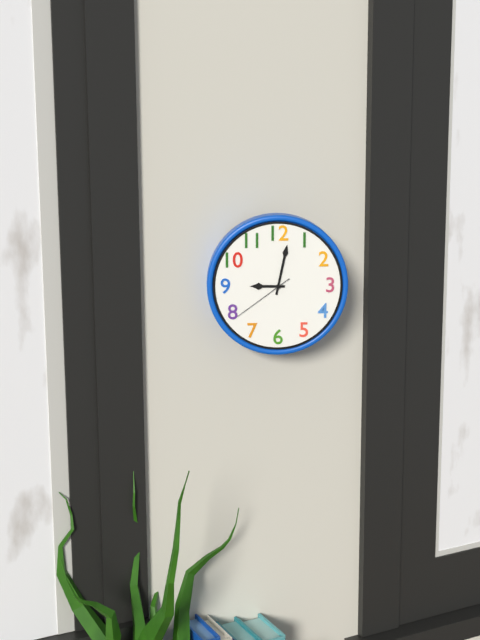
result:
{"hour": 9, "minute": 2, "second": 39}
